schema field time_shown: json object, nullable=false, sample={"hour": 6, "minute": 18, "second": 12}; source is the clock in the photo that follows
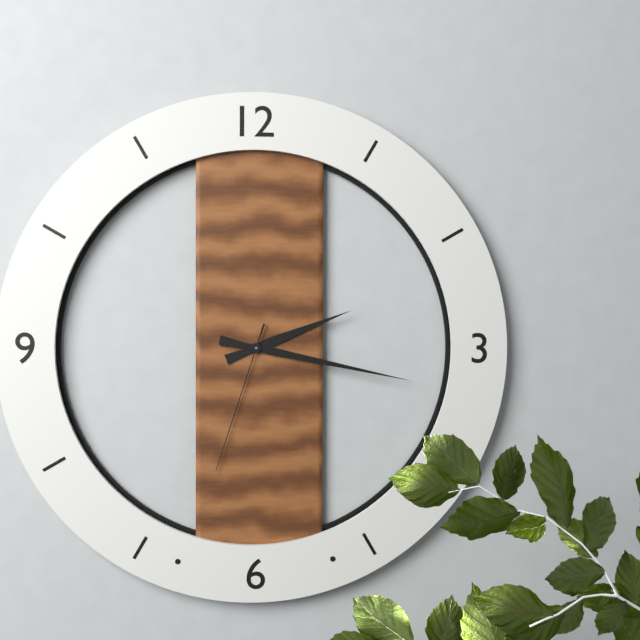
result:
{"hour": 2, "minute": 17, "second": 33}
